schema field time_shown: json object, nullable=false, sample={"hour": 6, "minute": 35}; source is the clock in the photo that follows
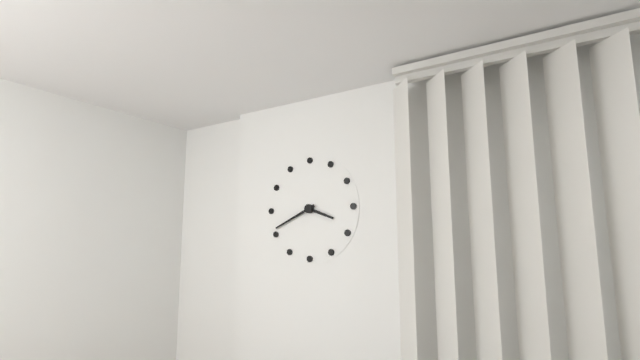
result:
{"hour": 3, "minute": 41}
